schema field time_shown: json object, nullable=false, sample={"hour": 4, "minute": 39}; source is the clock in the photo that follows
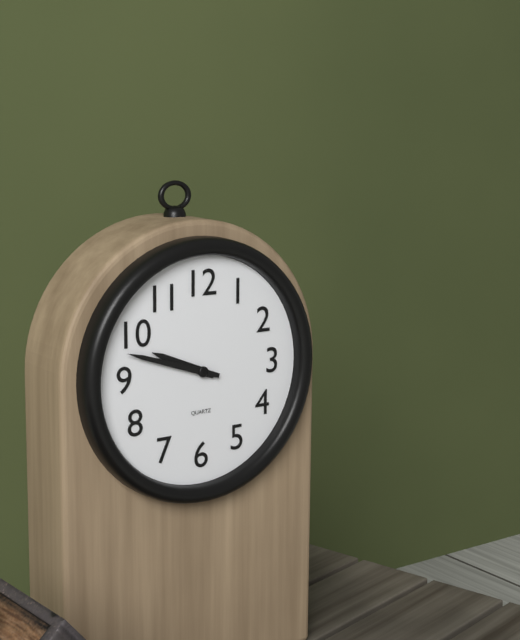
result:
{"hour": 9, "minute": 48}
